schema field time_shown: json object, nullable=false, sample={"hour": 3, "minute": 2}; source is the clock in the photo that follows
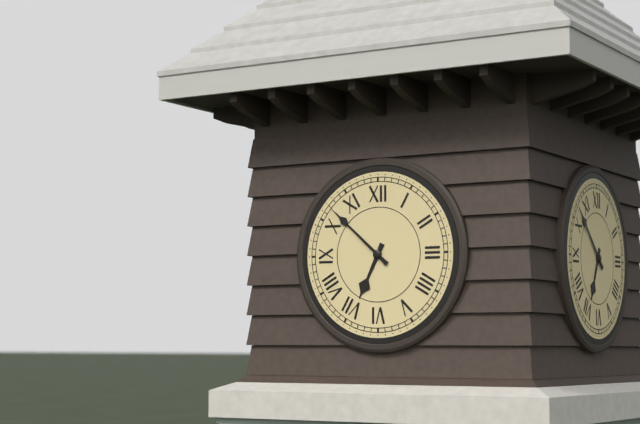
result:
{"hour": 6, "minute": 52}
